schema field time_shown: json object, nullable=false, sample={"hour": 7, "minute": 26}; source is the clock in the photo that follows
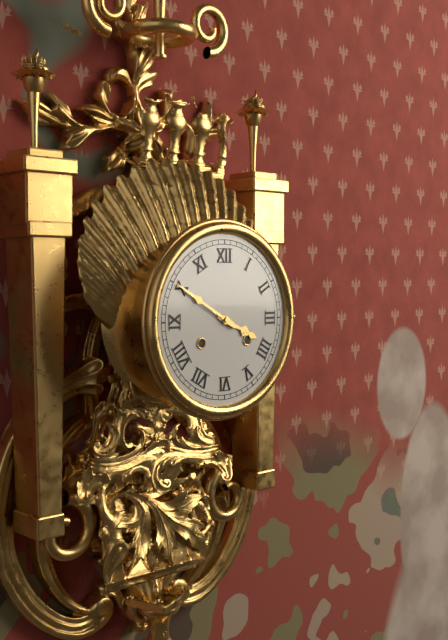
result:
{"hour": 3, "minute": 50}
